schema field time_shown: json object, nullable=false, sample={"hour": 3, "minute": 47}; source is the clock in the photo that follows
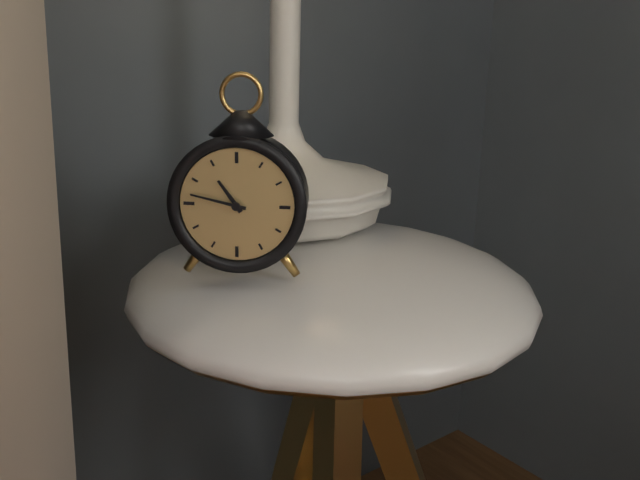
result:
{"hour": 10, "minute": 47}
